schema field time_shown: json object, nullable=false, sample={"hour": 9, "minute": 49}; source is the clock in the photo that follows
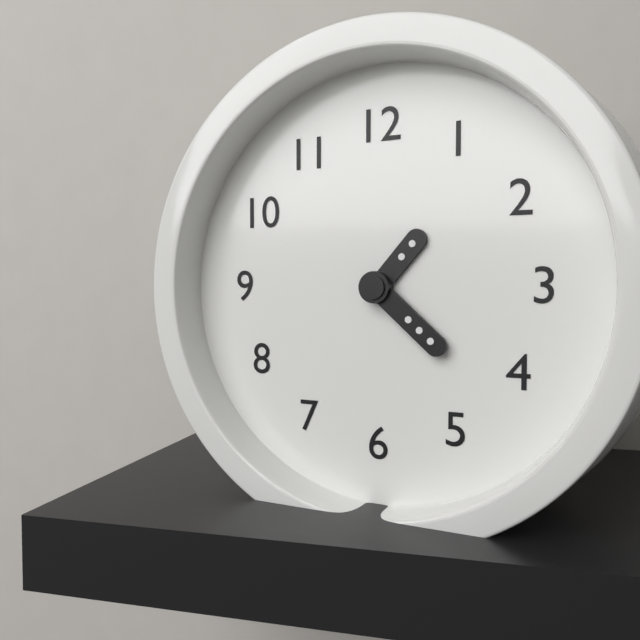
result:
{"hour": 1, "minute": 22}
